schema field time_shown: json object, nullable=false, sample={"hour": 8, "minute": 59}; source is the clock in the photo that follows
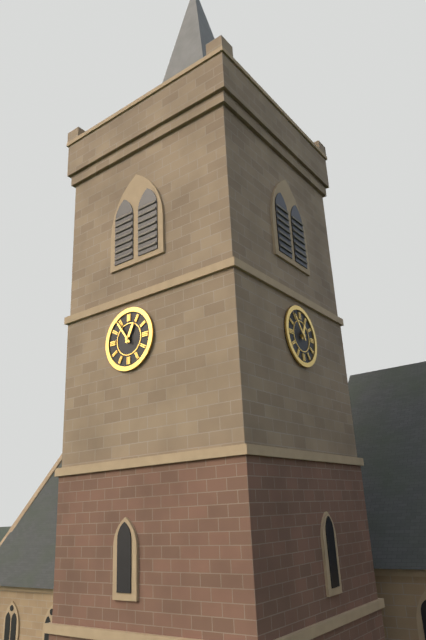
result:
{"hour": 12, "minute": 54}
